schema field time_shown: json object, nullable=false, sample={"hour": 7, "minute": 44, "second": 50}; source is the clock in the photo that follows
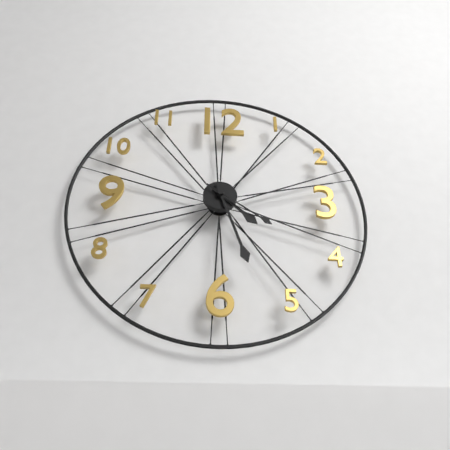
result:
{"hour": 4, "minute": 27, "second": 21}
